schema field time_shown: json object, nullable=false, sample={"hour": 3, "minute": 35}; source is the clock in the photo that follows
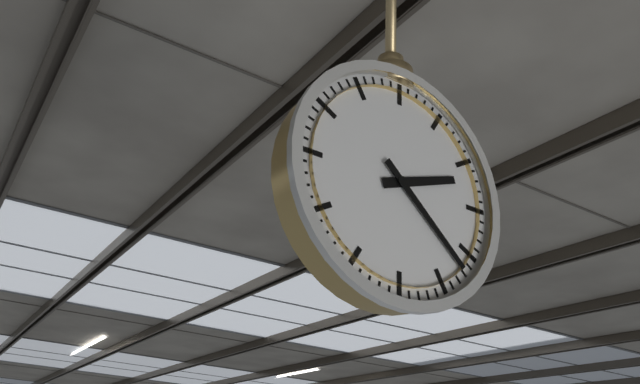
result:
{"hour": 2, "minute": 22}
